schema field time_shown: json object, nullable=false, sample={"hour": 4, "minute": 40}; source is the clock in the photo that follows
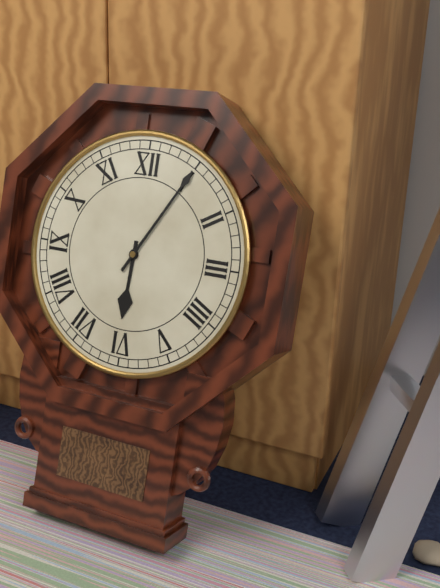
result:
{"hour": 6, "minute": 5}
